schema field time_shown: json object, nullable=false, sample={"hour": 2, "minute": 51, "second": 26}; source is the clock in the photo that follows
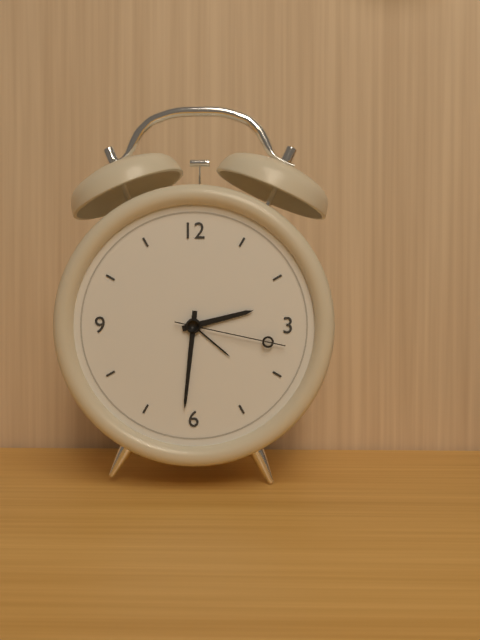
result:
{"hour": 2, "minute": 31, "second": 17}
